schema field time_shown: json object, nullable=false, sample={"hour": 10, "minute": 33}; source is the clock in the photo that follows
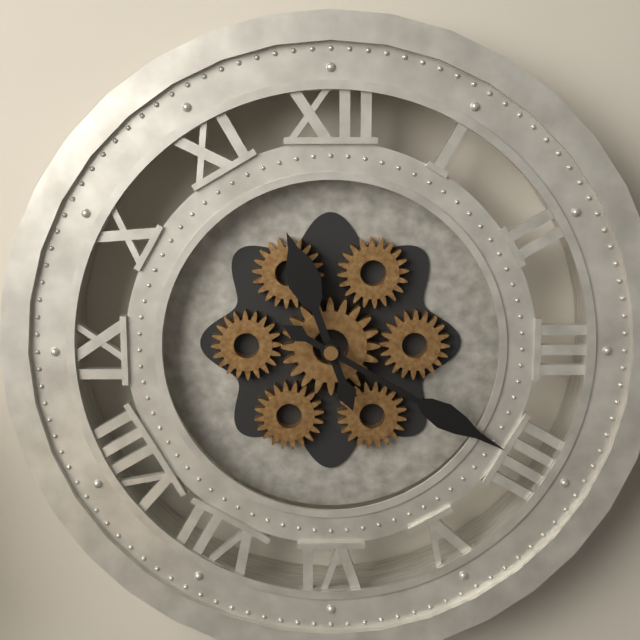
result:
{"hour": 11, "minute": 20}
